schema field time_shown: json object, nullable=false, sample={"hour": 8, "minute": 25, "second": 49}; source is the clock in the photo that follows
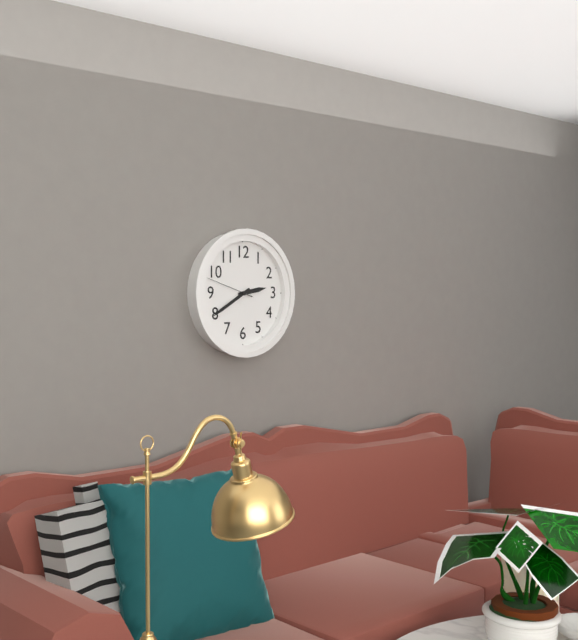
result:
{"hour": 2, "minute": 40, "second": 48}
